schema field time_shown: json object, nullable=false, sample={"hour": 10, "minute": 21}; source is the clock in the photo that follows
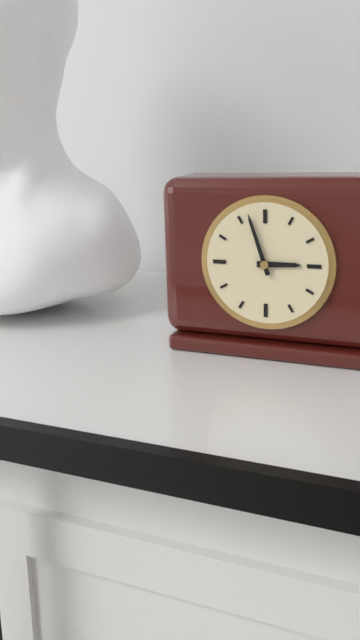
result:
{"hour": 2, "minute": 57}
